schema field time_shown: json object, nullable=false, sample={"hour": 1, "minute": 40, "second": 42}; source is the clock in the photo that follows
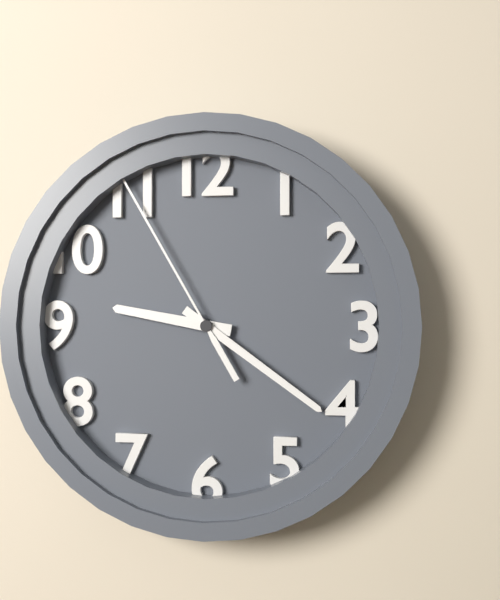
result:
{"hour": 9, "minute": 21, "second": 55}
